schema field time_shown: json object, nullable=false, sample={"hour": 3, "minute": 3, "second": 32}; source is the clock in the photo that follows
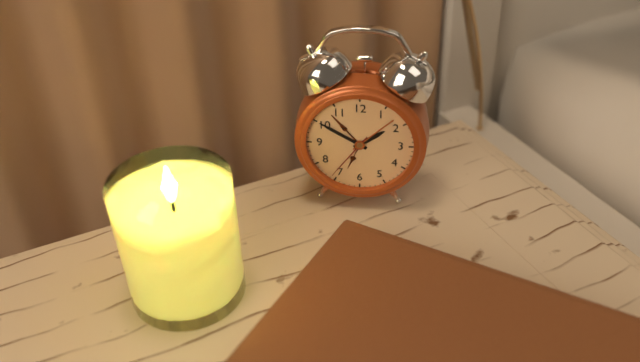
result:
{"hour": 1, "minute": 50, "second": 36}
